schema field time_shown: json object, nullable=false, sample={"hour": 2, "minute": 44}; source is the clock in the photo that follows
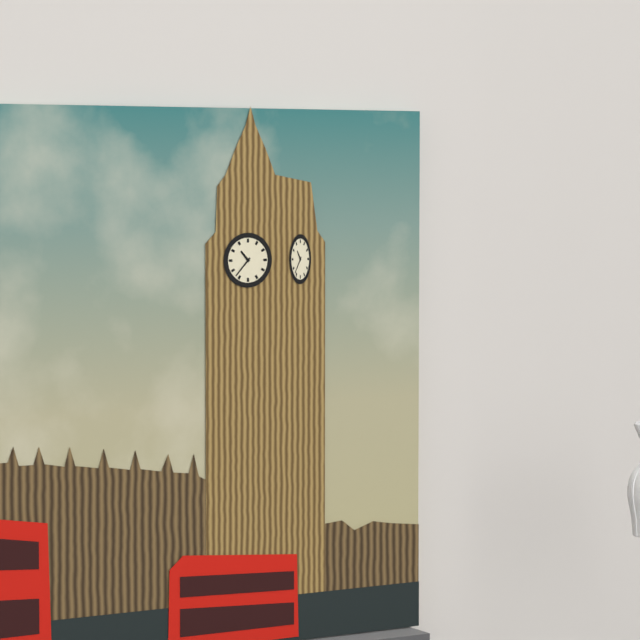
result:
{"hour": 10, "minute": 37}
